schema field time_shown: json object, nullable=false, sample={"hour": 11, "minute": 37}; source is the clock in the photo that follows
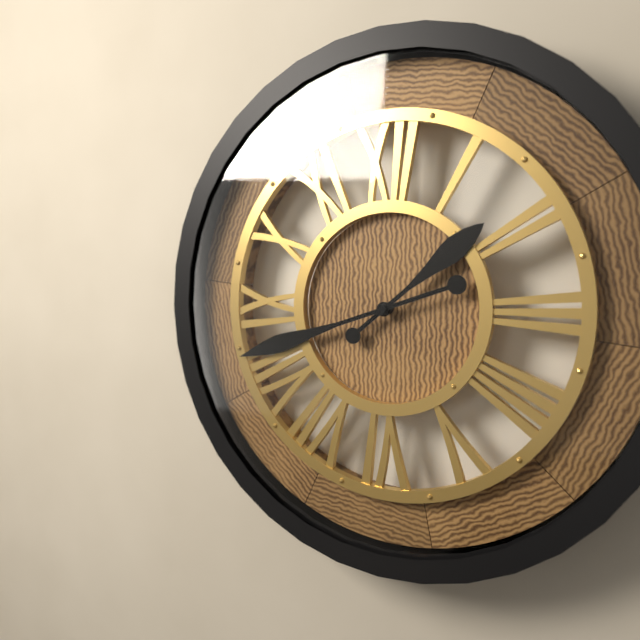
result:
{"hour": 1, "minute": 42}
